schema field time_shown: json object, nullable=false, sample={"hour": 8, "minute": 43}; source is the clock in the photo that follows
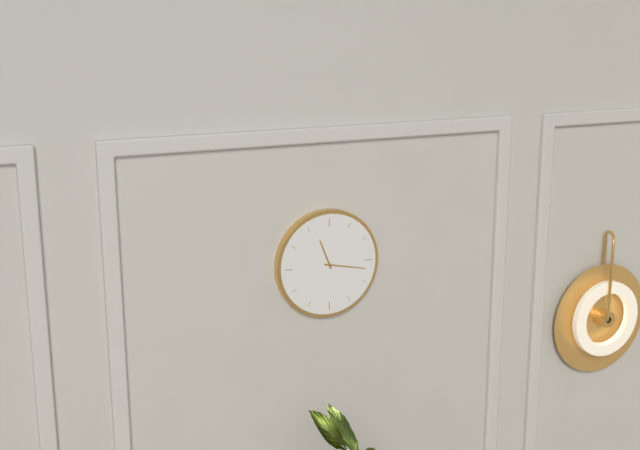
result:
{"hour": 11, "minute": 17}
